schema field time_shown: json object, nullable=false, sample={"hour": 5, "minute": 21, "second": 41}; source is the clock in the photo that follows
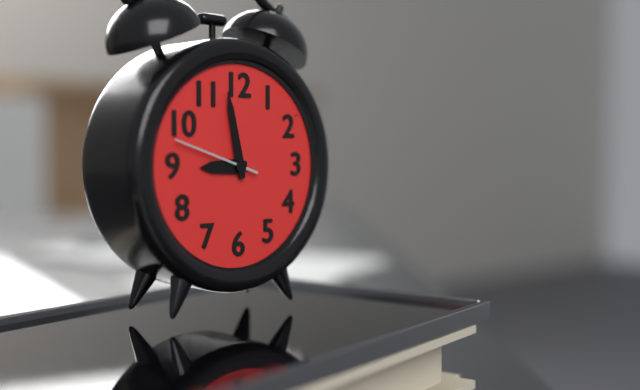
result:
{"hour": 8, "minute": 58, "second": 48}
